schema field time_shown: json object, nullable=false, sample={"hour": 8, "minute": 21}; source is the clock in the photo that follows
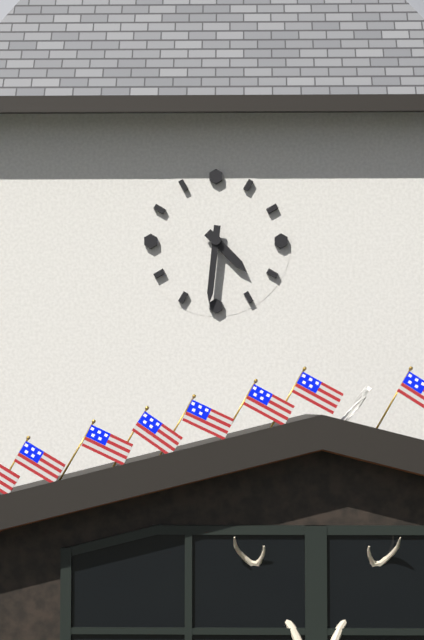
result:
{"hour": 4, "minute": 31}
